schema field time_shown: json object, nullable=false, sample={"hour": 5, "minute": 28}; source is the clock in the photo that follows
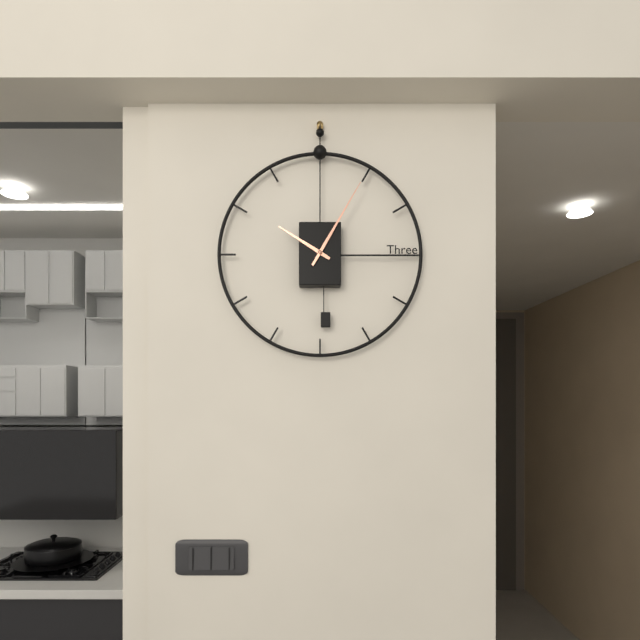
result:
{"hour": 10, "minute": 5}
